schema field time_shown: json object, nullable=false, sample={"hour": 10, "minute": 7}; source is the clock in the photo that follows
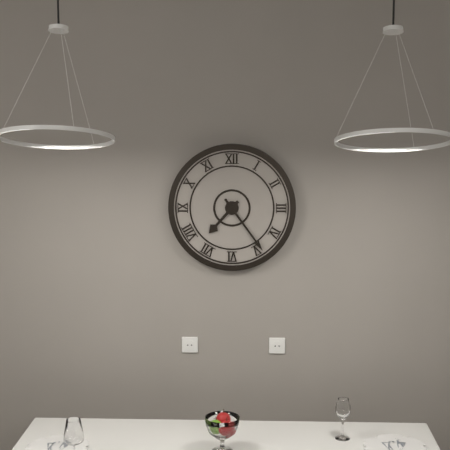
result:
{"hour": 7, "minute": 24}
